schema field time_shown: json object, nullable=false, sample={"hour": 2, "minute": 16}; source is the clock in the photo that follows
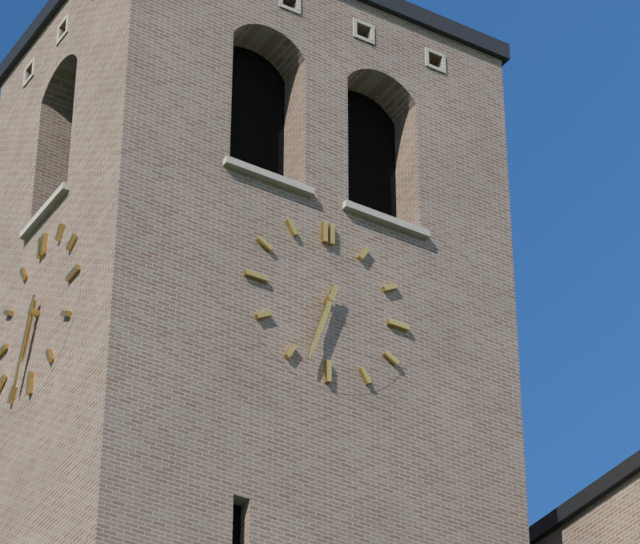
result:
{"hour": 6, "minute": 33}
